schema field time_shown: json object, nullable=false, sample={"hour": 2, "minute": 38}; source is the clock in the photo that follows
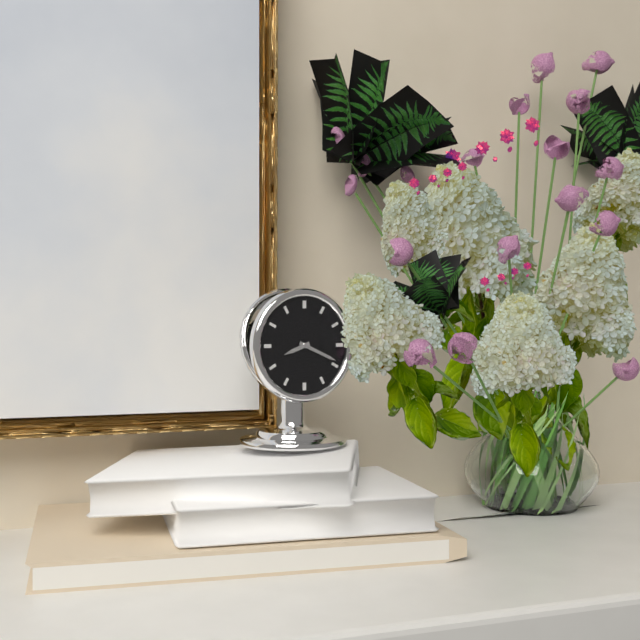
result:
{"hour": 8, "minute": 19}
